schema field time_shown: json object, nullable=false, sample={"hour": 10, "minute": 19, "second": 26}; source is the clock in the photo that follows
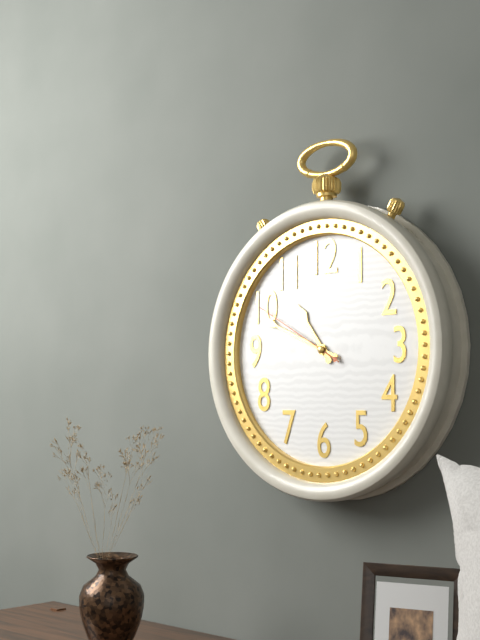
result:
{"hour": 10, "minute": 49, "second": 50}
